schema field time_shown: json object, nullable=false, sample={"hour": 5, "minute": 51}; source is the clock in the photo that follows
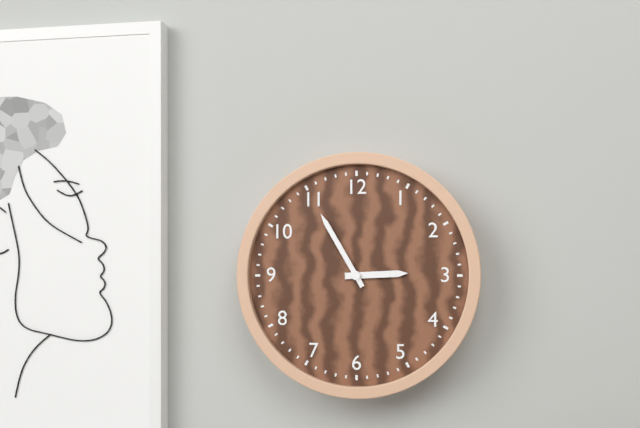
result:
{"hour": 2, "minute": 55}
